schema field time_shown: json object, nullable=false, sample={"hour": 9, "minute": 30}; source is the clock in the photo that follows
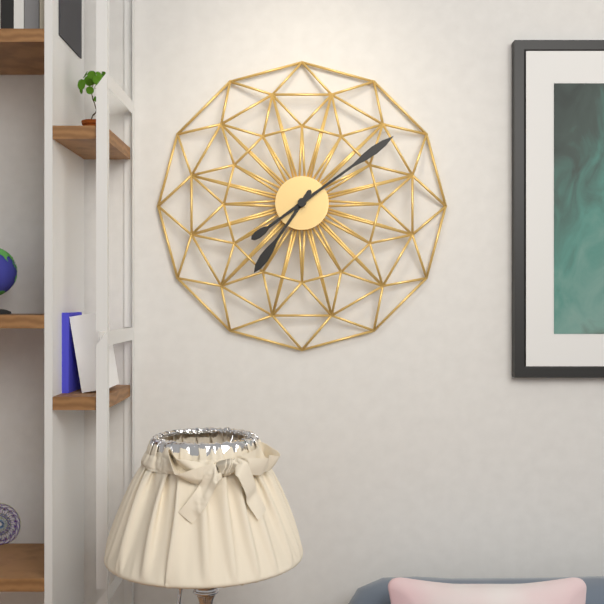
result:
{"hour": 7, "minute": 9}
